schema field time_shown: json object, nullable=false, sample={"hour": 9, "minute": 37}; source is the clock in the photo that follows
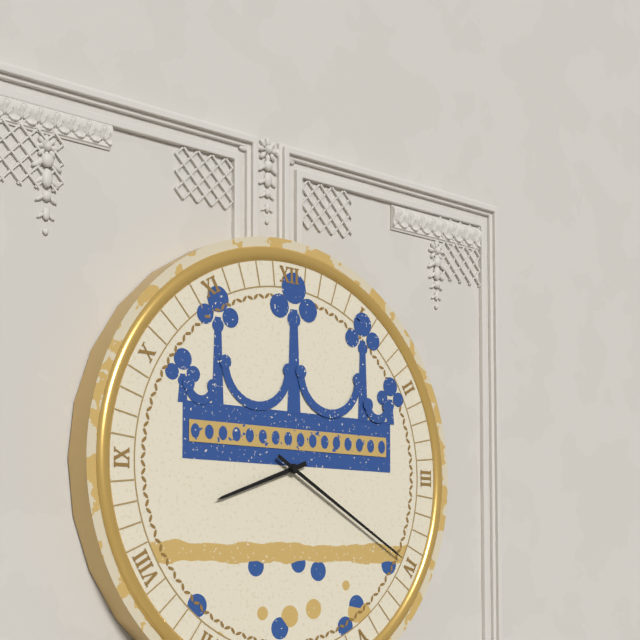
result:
{"hour": 8, "minute": 20}
